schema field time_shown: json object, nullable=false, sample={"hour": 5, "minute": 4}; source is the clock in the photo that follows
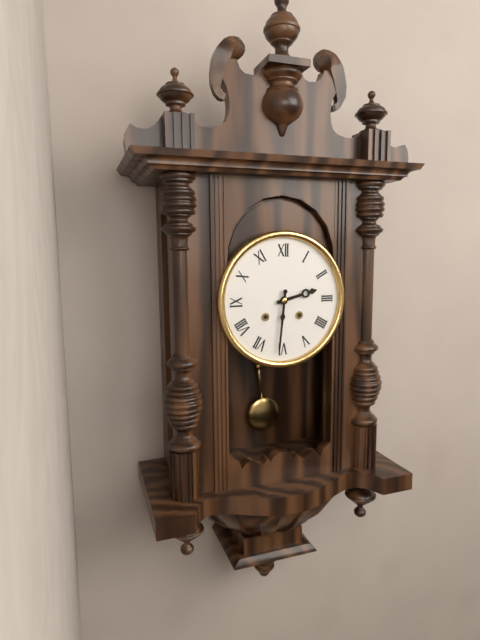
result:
{"hour": 2, "minute": 31}
